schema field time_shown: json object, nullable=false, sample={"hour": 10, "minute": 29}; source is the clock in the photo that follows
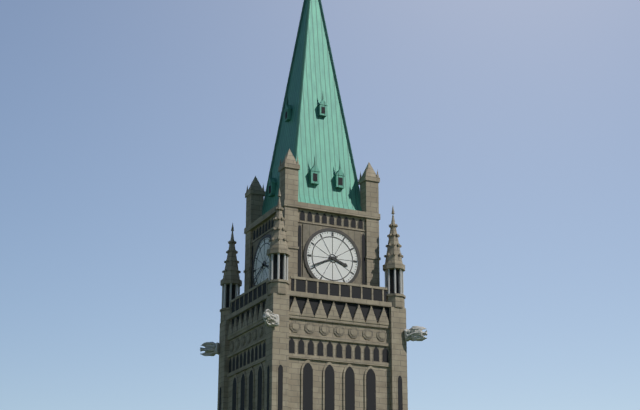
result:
{"hour": 3, "minute": 41}
